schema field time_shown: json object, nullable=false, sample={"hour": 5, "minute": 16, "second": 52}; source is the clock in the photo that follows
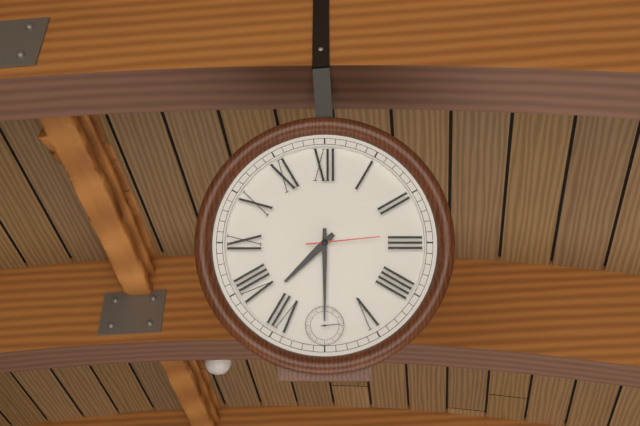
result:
{"hour": 7, "minute": 30, "second": 14}
